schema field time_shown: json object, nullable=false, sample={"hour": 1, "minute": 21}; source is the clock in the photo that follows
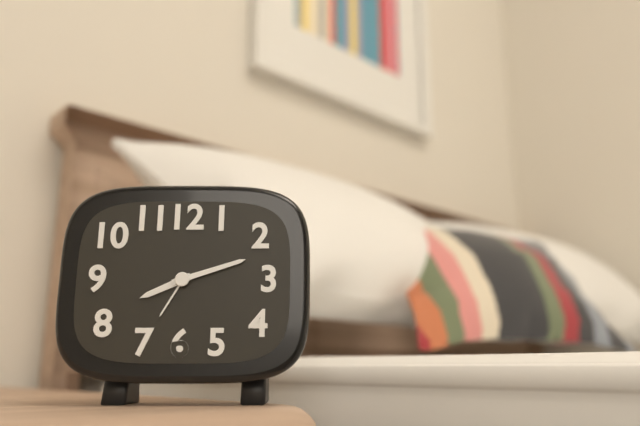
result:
{"hour": 8, "minute": 12}
